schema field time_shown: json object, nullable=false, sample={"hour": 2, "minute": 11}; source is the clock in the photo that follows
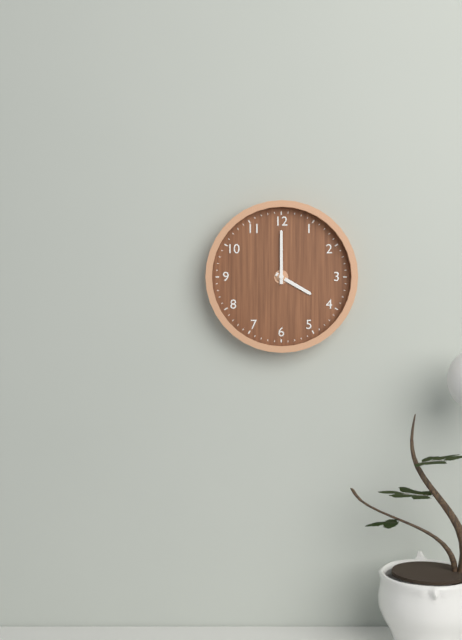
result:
{"hour": 4, "minute": 0}
